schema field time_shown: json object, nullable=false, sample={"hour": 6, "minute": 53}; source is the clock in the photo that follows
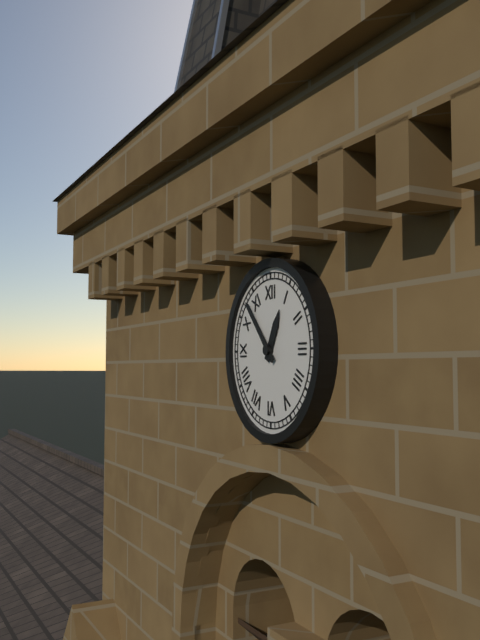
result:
{"hour": 12, "minute": 53}
